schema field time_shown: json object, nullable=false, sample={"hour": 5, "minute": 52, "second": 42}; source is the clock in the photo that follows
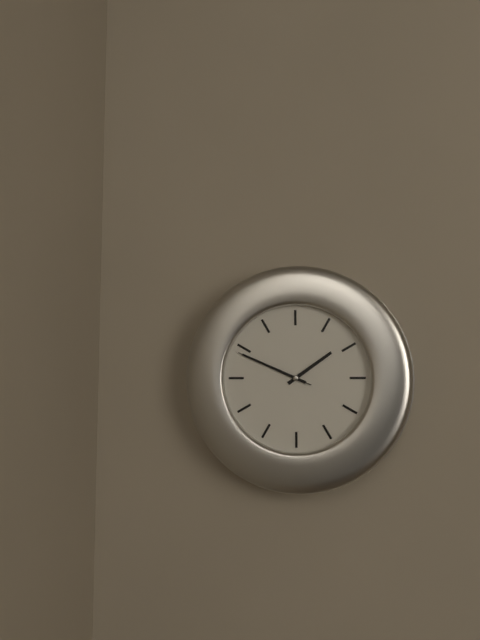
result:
{"hour": 1, "minute": 49, "second": 49}
